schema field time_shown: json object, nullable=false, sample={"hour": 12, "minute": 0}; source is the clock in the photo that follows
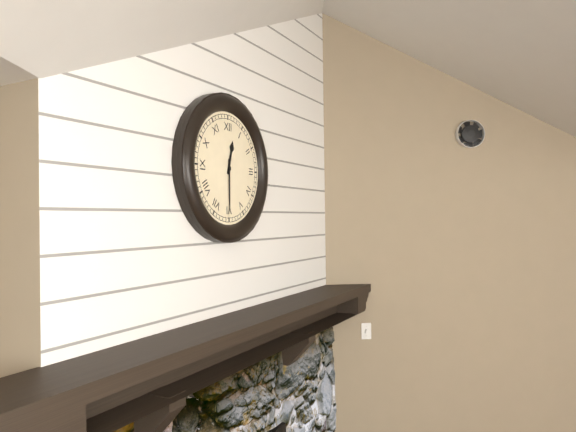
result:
{"hour": 12, "minute": 30}
